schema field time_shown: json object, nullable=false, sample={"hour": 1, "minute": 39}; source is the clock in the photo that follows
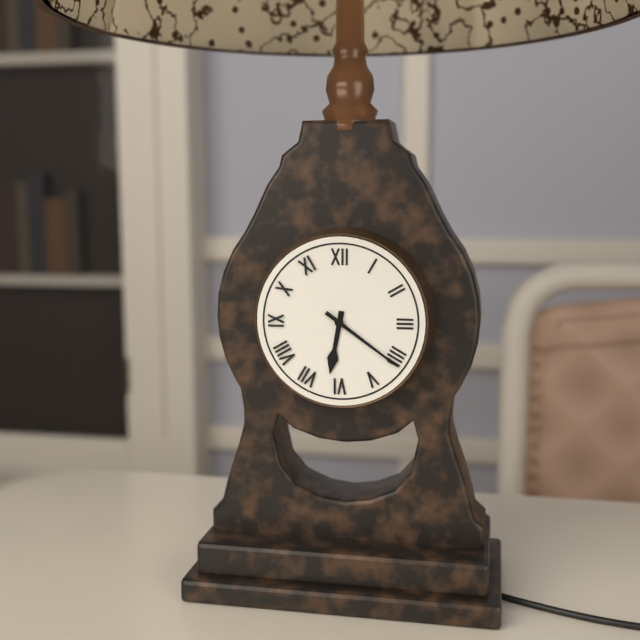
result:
{"hour": 6, "minute": 21}
